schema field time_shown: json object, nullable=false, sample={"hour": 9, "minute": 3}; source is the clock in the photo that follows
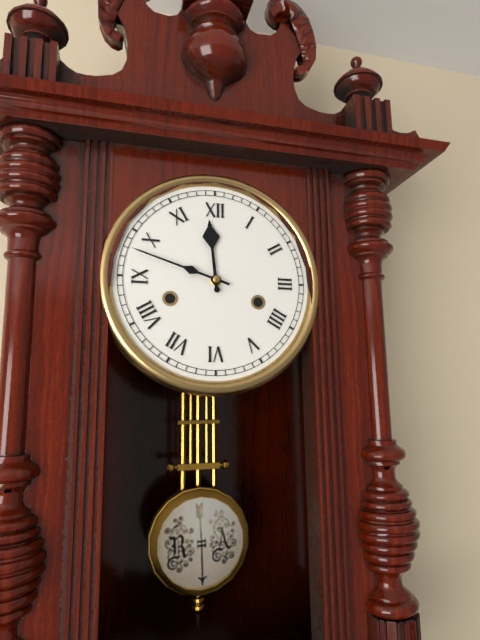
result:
{"hour": 11, "minute": 48}
